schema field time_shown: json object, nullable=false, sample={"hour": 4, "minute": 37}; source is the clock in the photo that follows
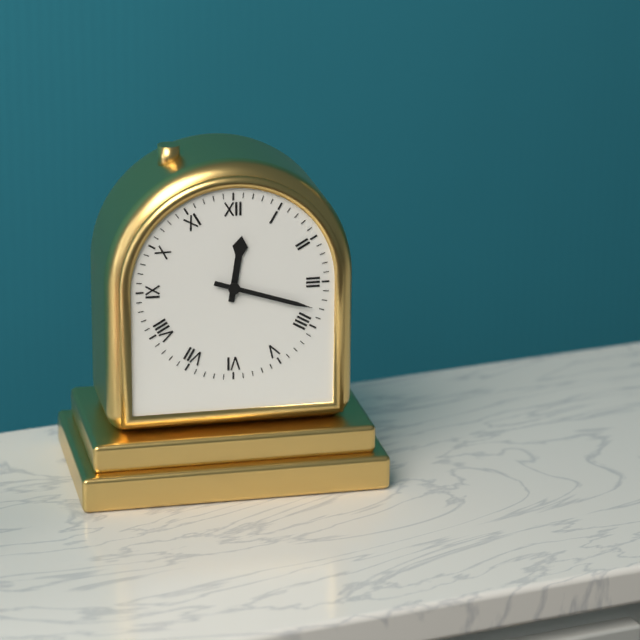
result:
{"hour": 12, "minute": 18}
